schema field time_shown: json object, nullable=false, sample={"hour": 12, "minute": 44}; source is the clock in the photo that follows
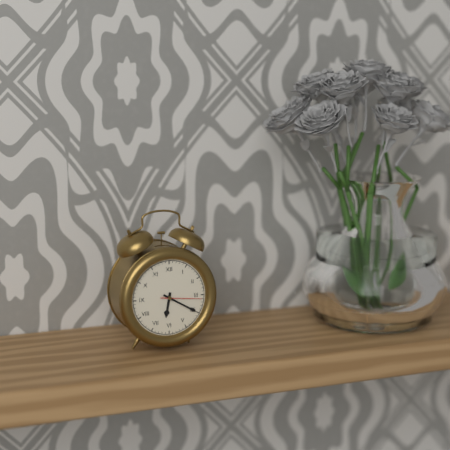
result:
{"hour": 6, "minute": 20}
